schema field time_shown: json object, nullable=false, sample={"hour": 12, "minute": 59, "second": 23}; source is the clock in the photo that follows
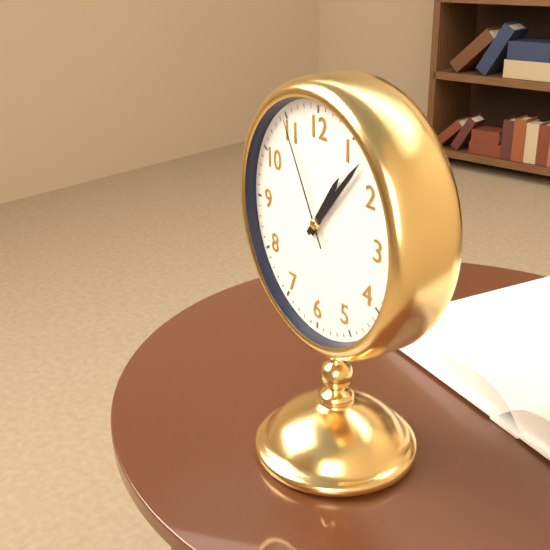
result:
{"hour": 1, "minute": 7, "second": 55}
